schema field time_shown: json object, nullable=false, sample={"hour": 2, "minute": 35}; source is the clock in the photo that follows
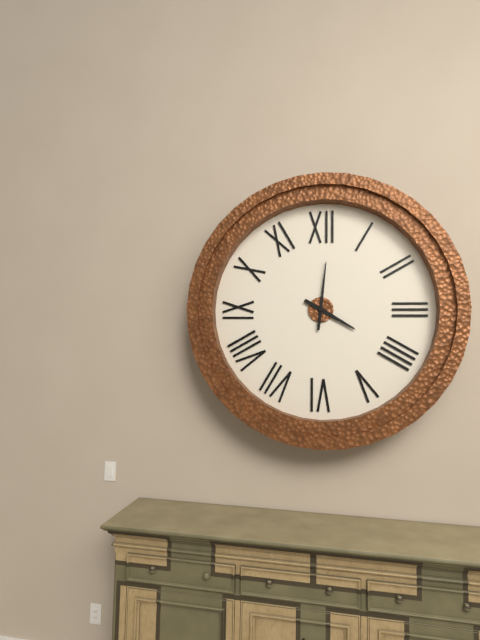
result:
{"hour": 4, "minute": 1}
